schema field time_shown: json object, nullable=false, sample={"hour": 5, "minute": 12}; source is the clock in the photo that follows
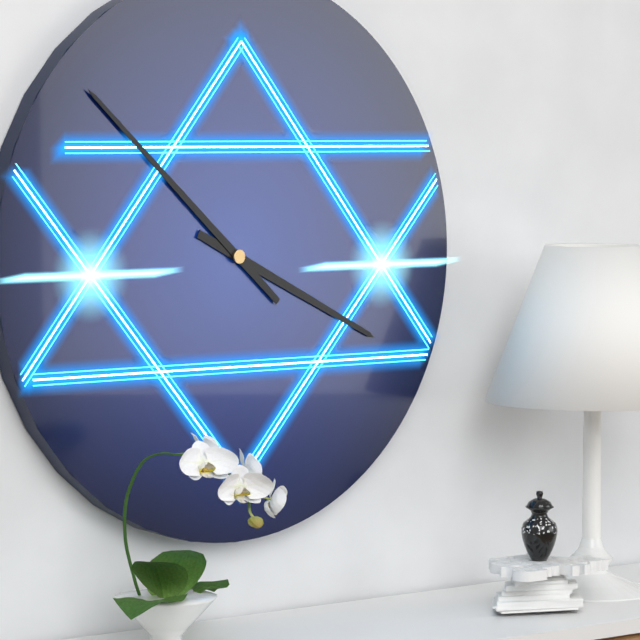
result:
{"hour": 3, "minute": 52}
